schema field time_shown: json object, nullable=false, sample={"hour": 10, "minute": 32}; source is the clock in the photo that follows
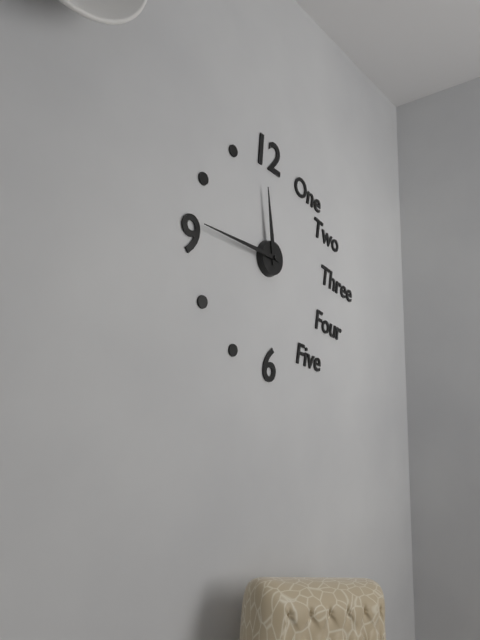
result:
{"hour": 11, "minute": 46}
